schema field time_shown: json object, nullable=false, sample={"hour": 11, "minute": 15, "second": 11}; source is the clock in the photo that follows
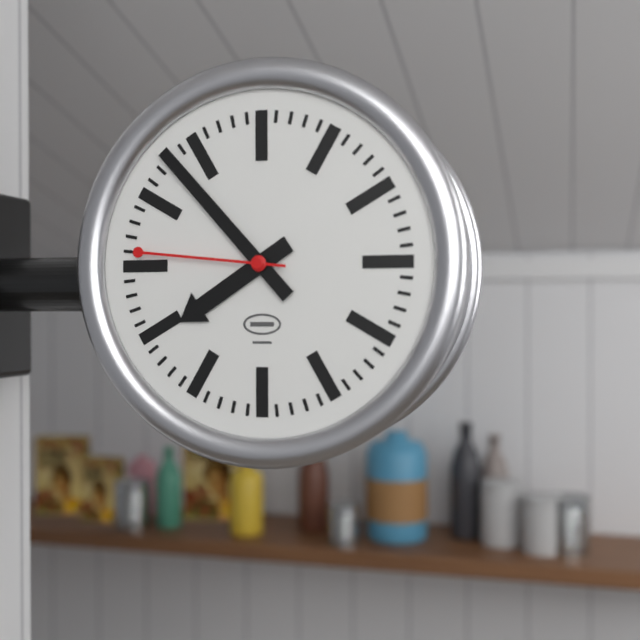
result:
{"hour": 7, "minute": 53, "second": 46}
